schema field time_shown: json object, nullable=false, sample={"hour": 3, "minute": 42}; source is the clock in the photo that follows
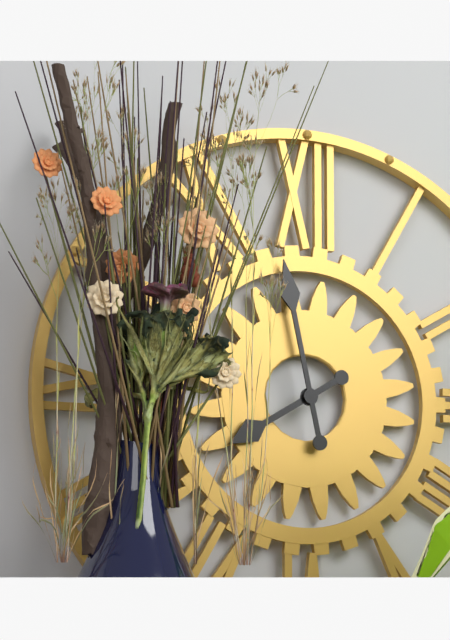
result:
{"hour": 7, "minute": 58}
